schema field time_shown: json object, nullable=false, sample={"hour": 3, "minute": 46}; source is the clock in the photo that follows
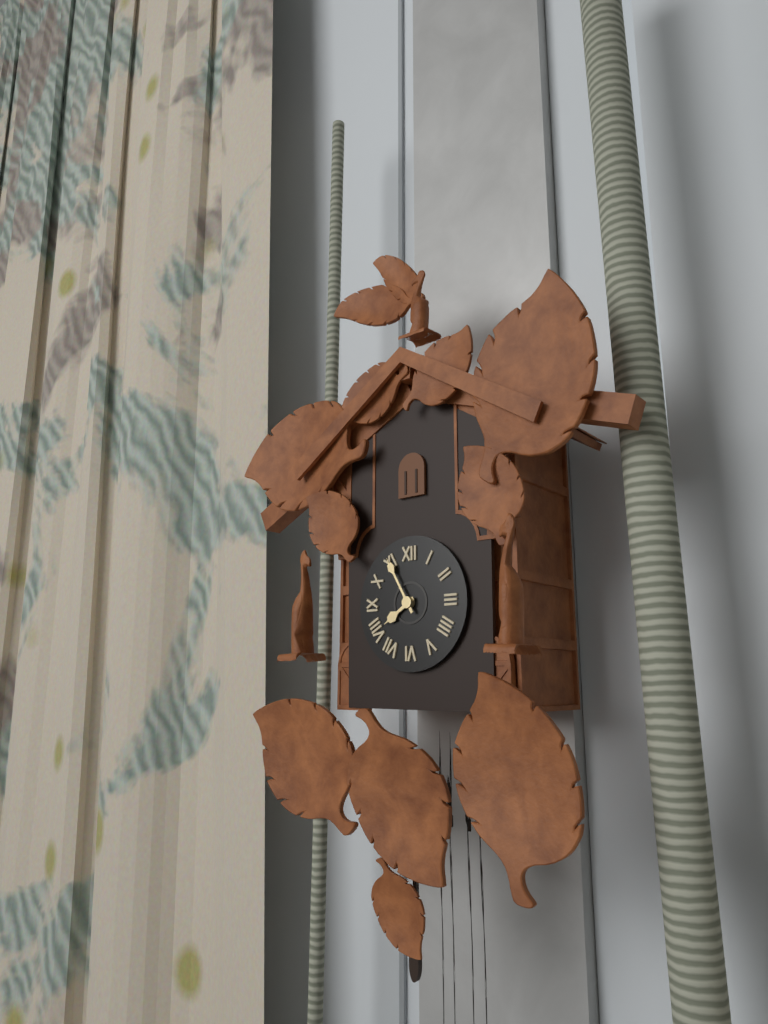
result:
{"hour": 7, "minute": 55}
